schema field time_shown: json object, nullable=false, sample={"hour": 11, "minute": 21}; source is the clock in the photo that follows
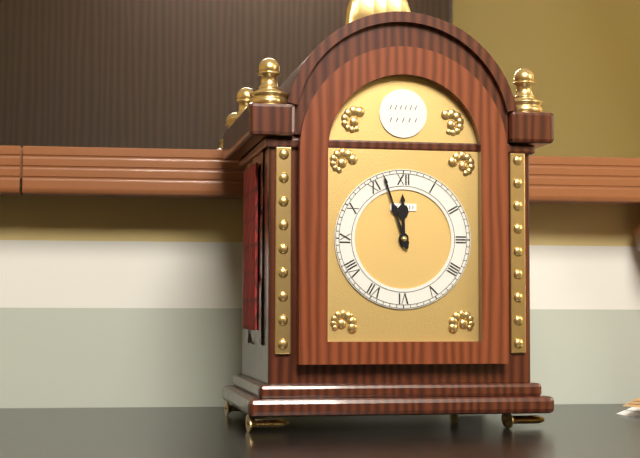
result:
{"hour": 11, "minute": 57}
